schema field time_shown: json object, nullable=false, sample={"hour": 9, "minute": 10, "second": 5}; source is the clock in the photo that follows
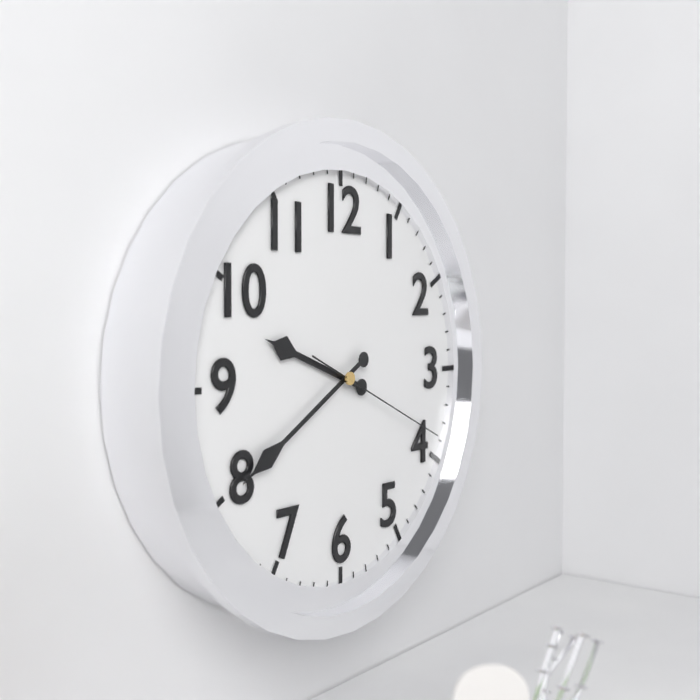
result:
{"hour": 9, "minute": 40, "second": 19}
